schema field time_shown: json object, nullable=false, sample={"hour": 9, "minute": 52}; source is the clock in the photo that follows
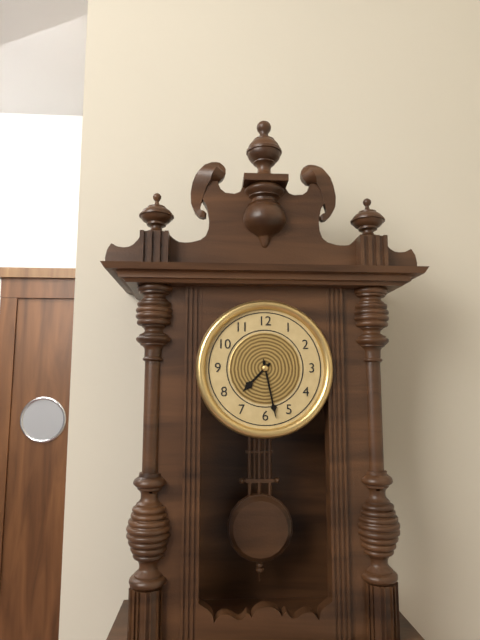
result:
{"hour": 7, "minute": 28}
